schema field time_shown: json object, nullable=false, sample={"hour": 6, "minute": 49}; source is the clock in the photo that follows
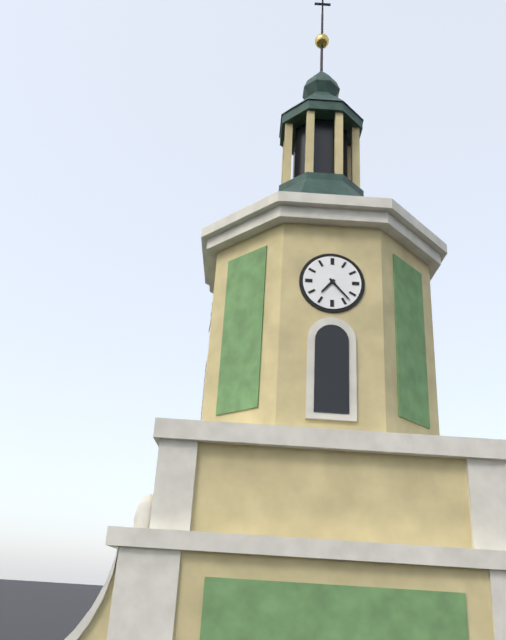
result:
{"hour": 7, "minute": 23}
